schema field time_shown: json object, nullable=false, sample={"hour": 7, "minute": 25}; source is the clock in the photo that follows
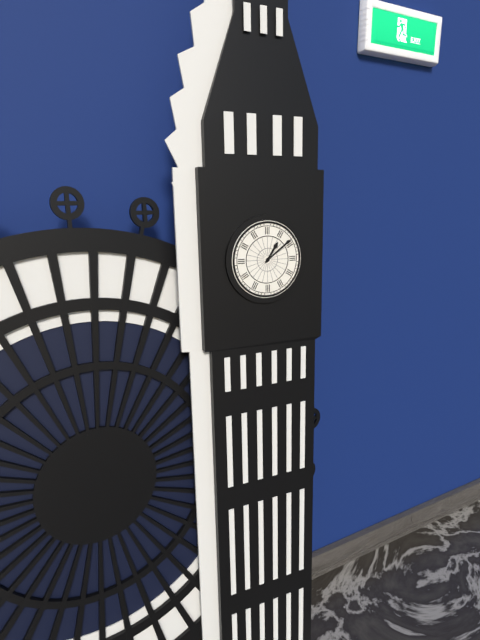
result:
{"hour": 1, "minute": 9}
